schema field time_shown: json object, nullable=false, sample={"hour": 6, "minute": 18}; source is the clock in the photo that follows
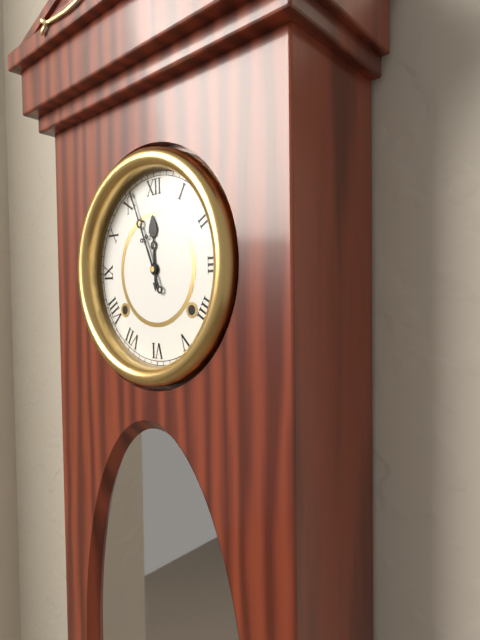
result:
{"hour": 11, "minute": 56}
